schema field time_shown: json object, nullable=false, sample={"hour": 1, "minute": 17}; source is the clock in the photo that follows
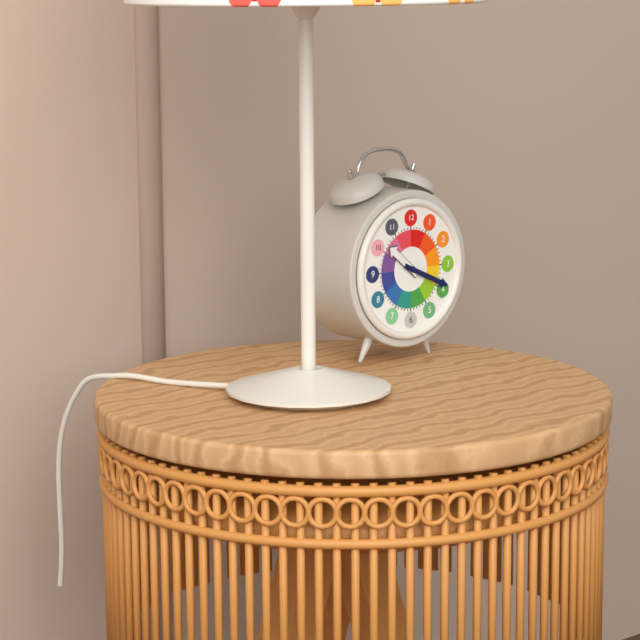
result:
{"hour": 10, "minute": 19}
